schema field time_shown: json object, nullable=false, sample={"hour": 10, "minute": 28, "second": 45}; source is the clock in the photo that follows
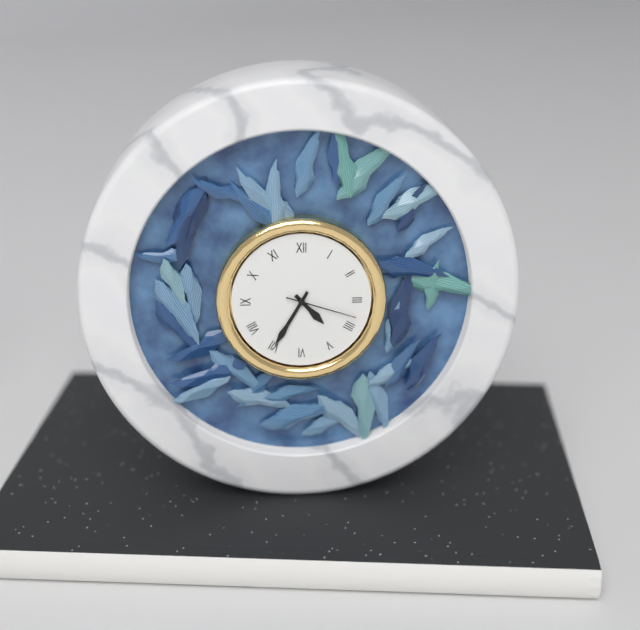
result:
{"hour": 4, "minute": 35, "second": 18}
